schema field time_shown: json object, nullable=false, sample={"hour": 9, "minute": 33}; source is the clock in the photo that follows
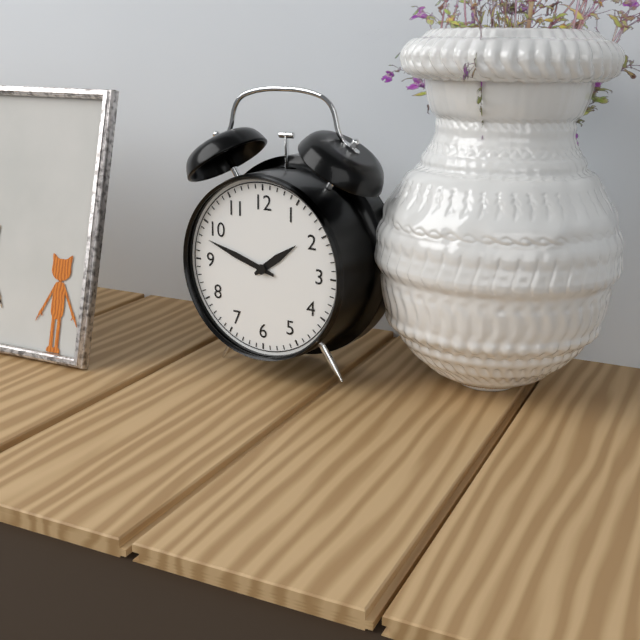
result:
{"hour": 1, "minute": 48}
